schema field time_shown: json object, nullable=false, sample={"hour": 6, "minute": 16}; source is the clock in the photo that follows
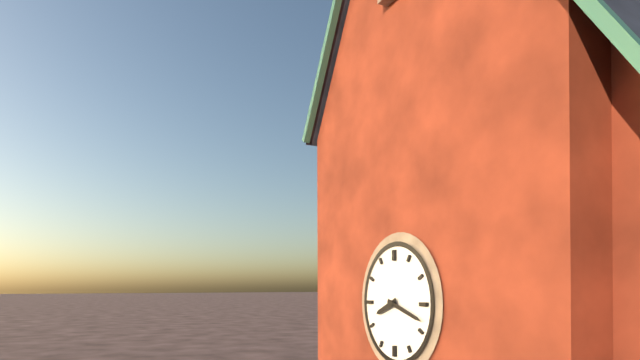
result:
{"hour": 8, "minute": 18}
